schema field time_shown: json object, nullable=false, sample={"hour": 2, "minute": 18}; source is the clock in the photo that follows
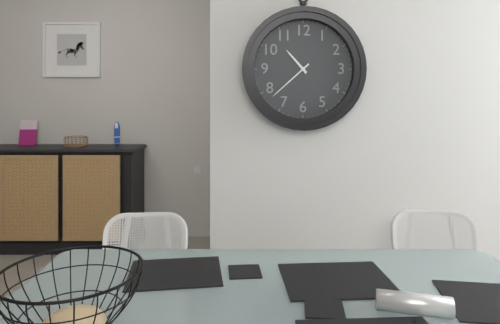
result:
{"hour": 10, "minute": 38}
